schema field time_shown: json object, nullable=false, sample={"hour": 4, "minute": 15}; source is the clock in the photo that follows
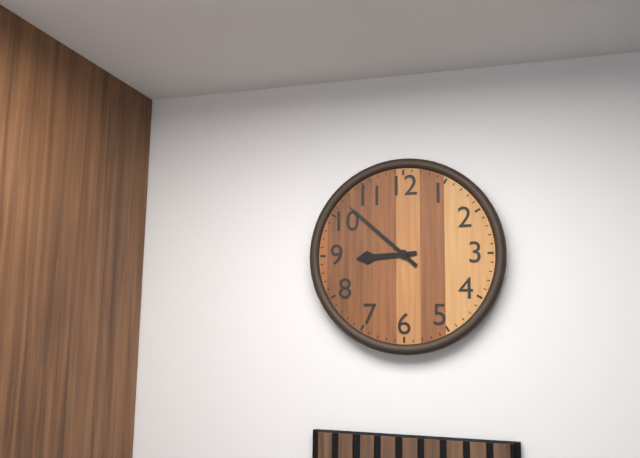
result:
{"hour": 8, "minute": 52}
